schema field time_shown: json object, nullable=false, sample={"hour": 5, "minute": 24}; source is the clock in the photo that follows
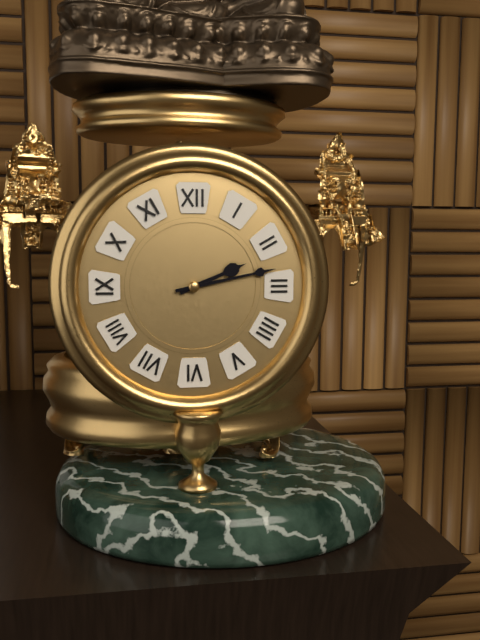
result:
{"hour": 2, "minute": 13}
